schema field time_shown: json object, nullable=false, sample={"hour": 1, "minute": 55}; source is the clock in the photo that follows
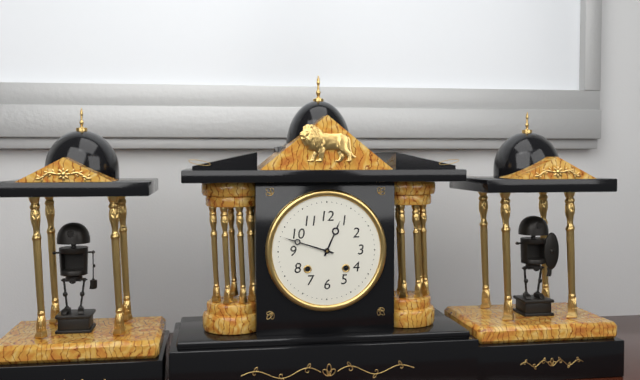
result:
{"hour": 12, "minute": 48}
